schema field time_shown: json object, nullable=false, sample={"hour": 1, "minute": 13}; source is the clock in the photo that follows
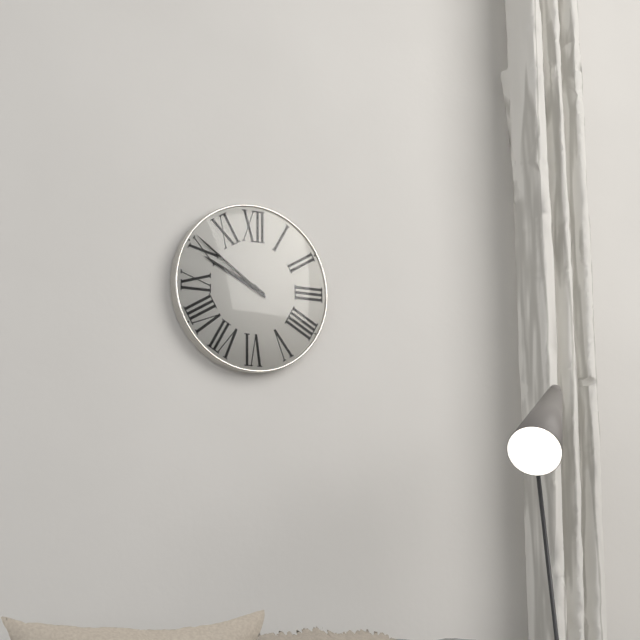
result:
{"hour": 9, "minute": 51}
